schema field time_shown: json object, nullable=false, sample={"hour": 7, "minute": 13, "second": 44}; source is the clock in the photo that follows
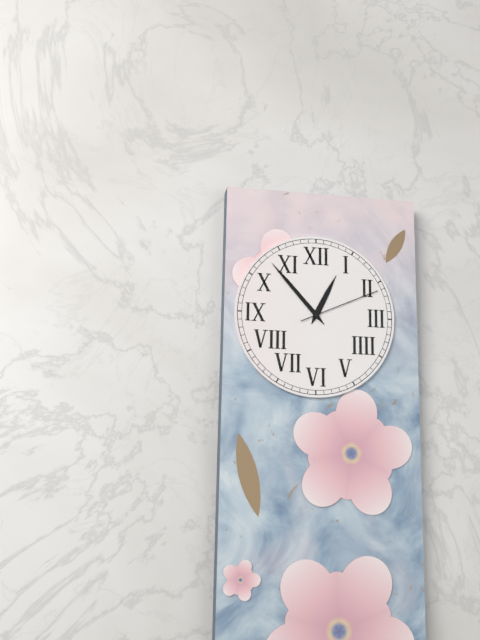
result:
{"hour": 12, "minute": 53, "second": 11}
